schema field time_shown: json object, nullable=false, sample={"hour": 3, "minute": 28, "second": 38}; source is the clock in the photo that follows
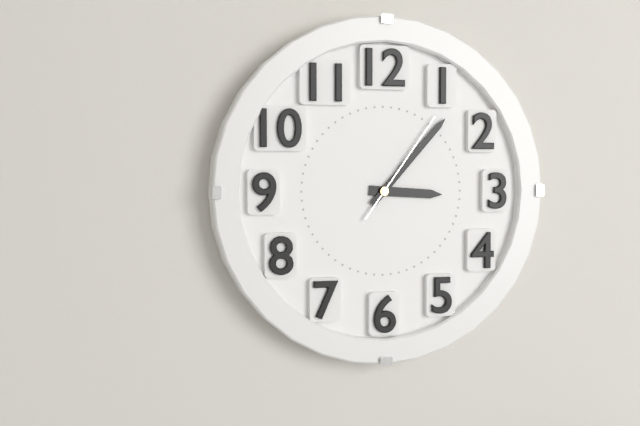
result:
{"hour": 3, "minute": 7, "second": 6}
